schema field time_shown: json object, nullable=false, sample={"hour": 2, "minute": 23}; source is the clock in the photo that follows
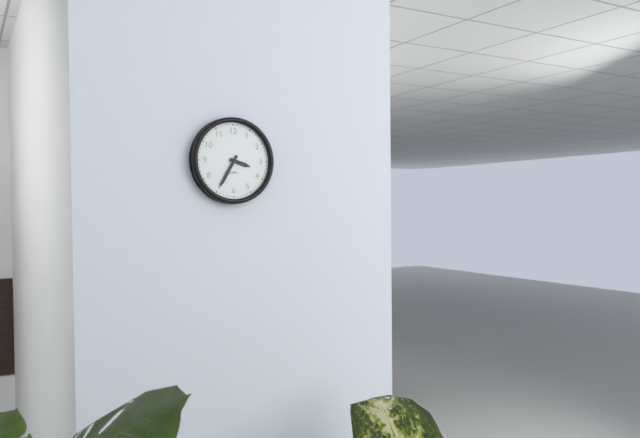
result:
{"hour": 3, "minute": 35}
